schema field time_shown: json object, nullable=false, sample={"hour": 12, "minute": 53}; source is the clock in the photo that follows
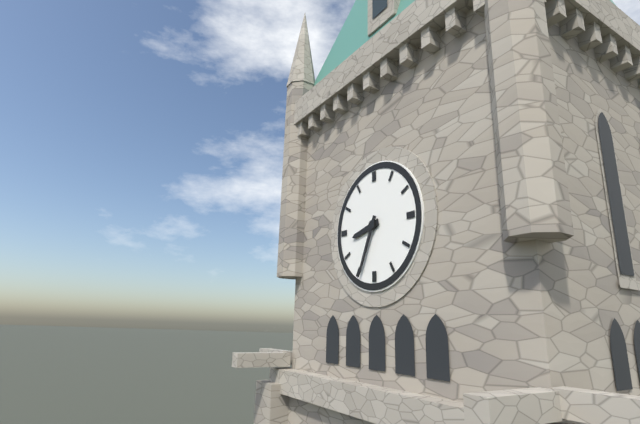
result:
{"hour": 8, "minute": 34}
